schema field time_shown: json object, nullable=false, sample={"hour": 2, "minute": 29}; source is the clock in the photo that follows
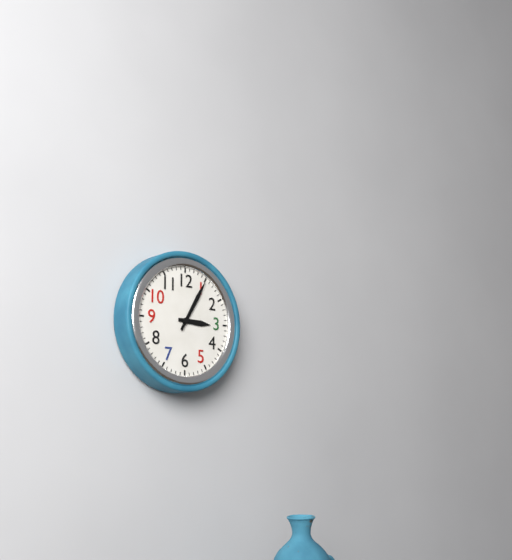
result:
{"hour": 3, "minute": 5}
